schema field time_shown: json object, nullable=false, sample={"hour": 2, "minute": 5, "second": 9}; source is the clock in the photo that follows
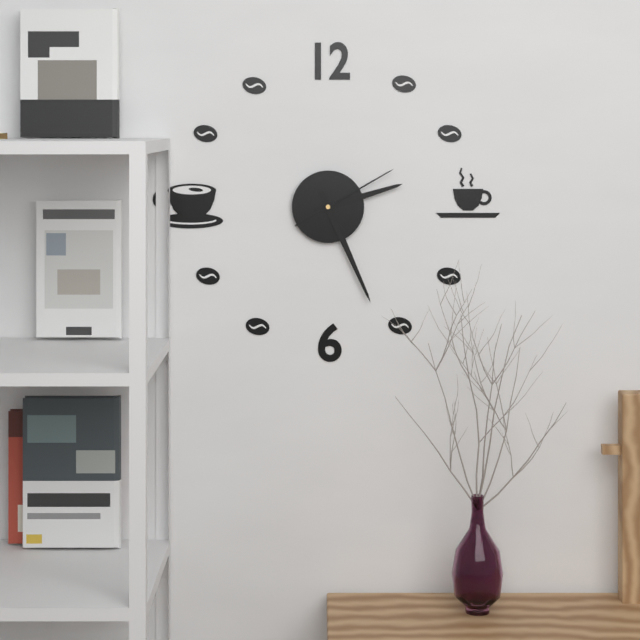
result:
{"hour": 2, "minute": 26, "second": 10}
